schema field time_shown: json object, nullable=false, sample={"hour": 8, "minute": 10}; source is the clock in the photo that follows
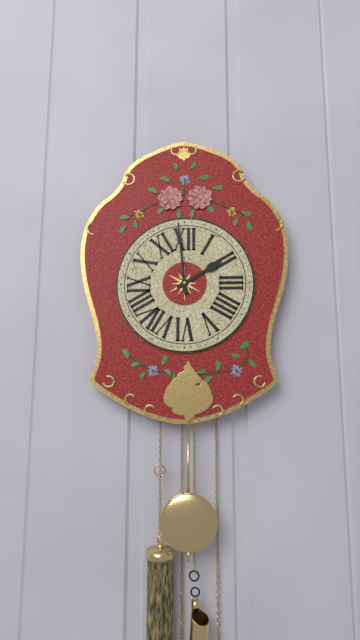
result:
{"hour": 1, "minute": 59}
